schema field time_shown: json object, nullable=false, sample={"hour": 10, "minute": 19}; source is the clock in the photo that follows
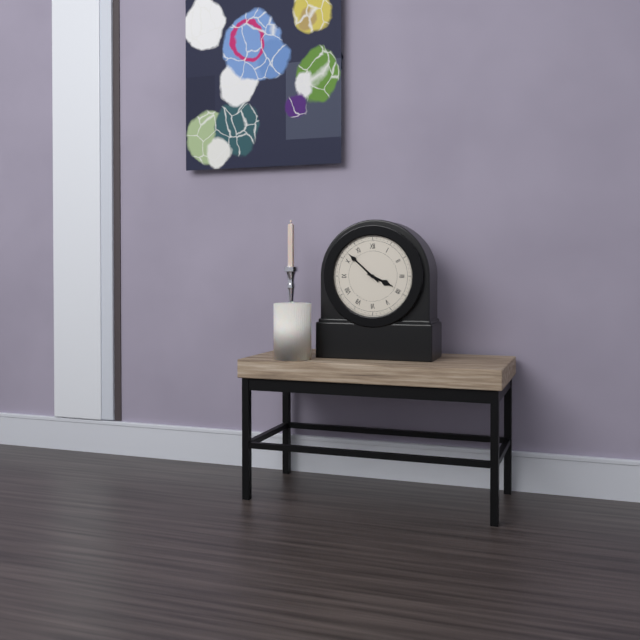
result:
{"hour": 3, "minute": 52}
